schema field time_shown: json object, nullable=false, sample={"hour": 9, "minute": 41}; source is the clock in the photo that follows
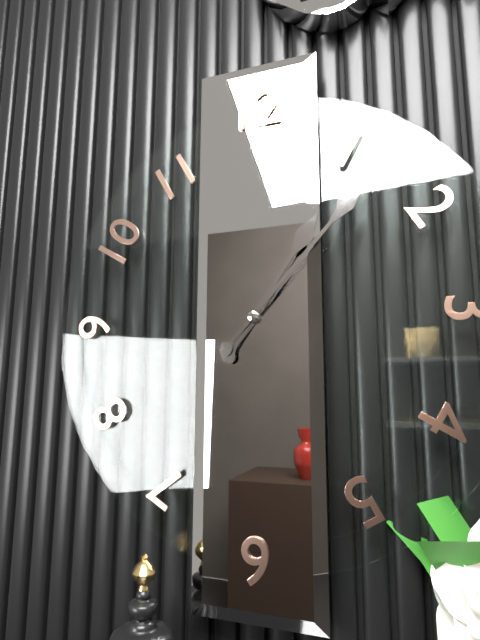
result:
{"hour": 1, "minute": 7}
